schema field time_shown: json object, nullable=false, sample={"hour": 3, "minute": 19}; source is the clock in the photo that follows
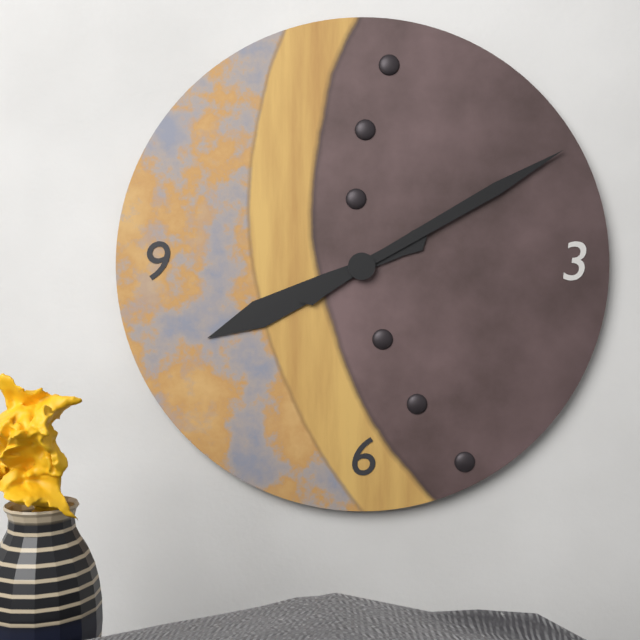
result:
{"hour": 8, "minute": 10}
